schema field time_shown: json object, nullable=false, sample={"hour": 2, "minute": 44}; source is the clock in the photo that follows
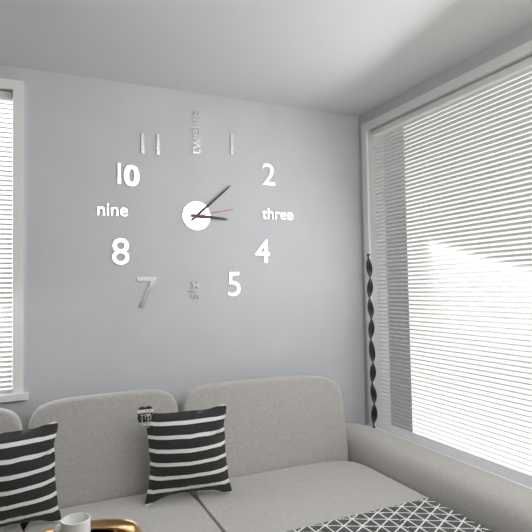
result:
{"hour": 3, "minute": 8}
